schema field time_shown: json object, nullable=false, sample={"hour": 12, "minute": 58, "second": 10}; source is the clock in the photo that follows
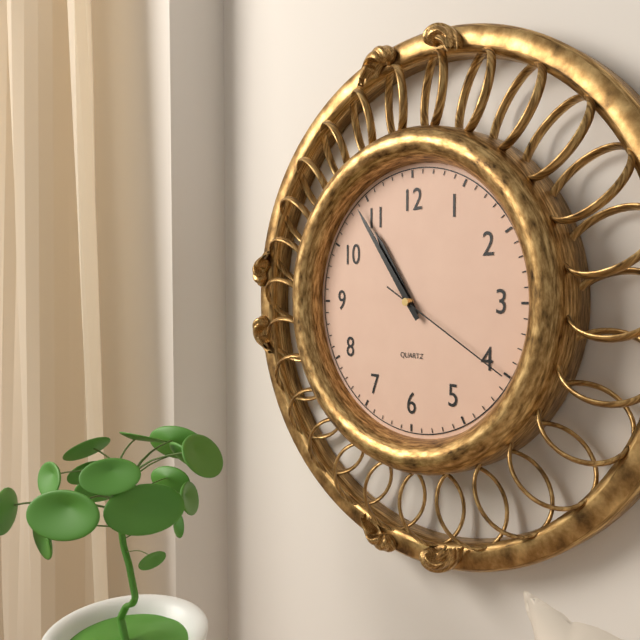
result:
{"hour": 10, "minute": 54, "second": 20}
